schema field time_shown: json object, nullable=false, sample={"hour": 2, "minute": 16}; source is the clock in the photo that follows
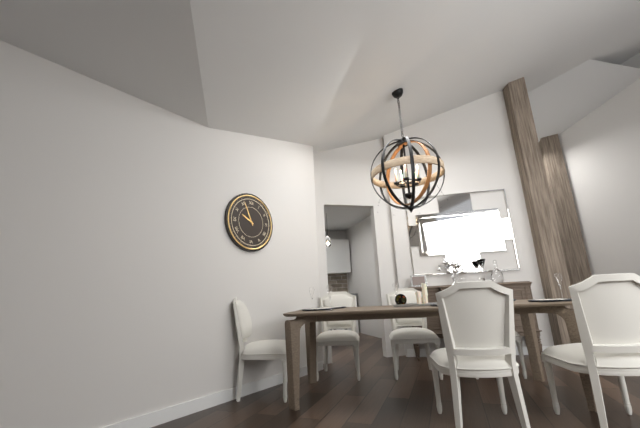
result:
{"hour": 9, "minute": 56}
